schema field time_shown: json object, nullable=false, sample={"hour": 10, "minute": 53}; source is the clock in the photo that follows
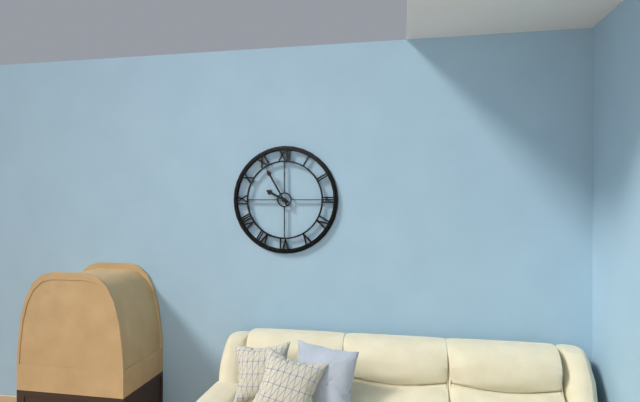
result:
{"hour": 9, "minute": 55}
